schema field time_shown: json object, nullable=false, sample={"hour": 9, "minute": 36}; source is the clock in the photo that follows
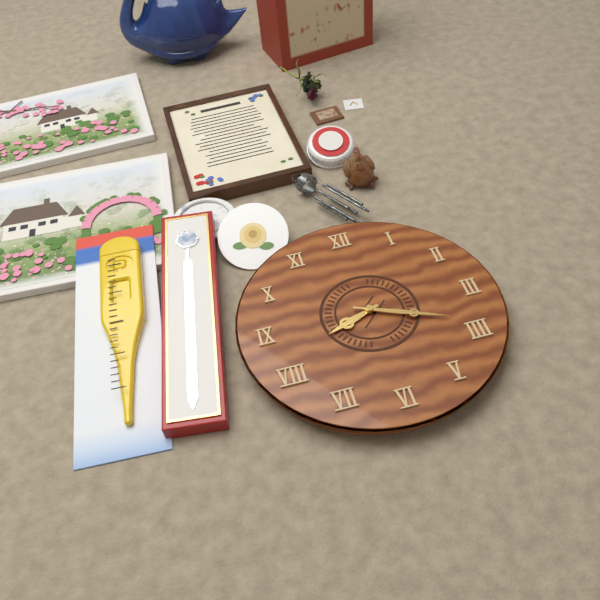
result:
{"hour": 8, "minute": 19}
